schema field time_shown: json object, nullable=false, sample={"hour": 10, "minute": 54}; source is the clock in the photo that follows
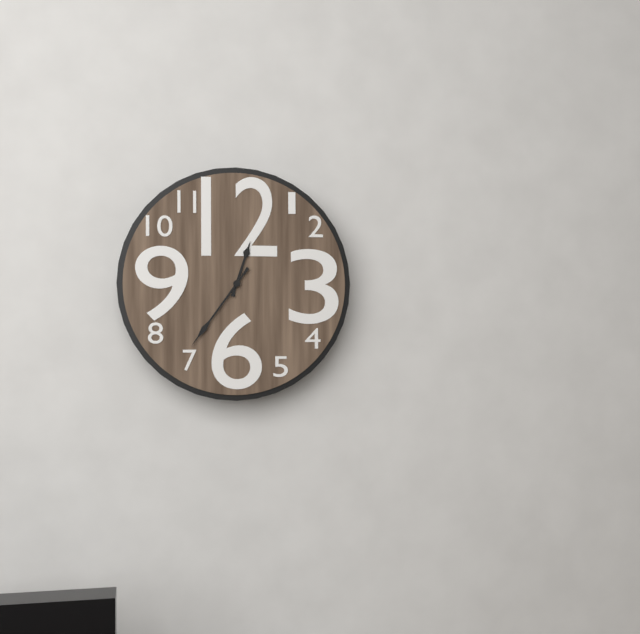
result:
{"hour": 12, "minute": 36}
